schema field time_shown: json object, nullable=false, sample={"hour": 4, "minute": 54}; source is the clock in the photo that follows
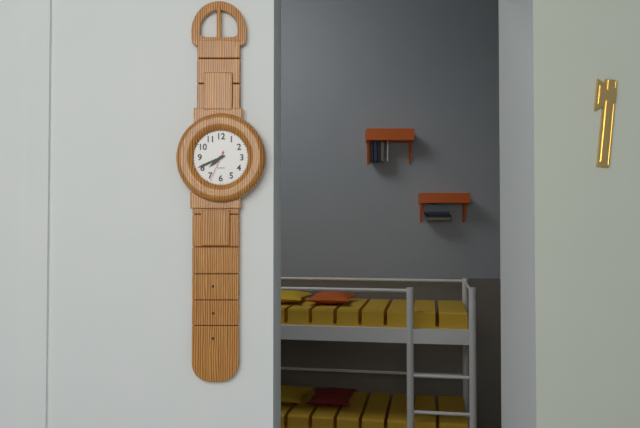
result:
{"hour": 7, "minute": 41}
